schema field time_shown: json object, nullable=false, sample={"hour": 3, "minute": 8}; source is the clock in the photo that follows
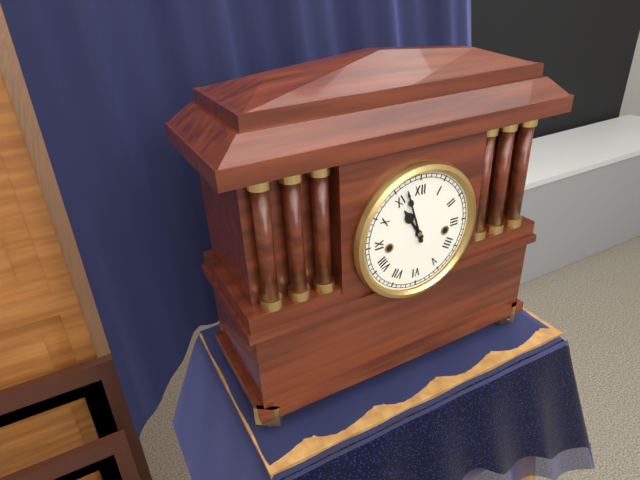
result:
{"hour": 10, "minute": 57}
